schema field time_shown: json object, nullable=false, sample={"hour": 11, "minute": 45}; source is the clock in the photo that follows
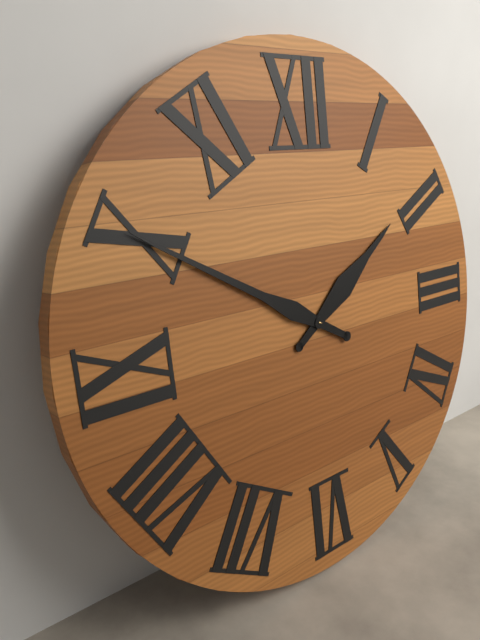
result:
{"hour": 1, "minute": 50}
